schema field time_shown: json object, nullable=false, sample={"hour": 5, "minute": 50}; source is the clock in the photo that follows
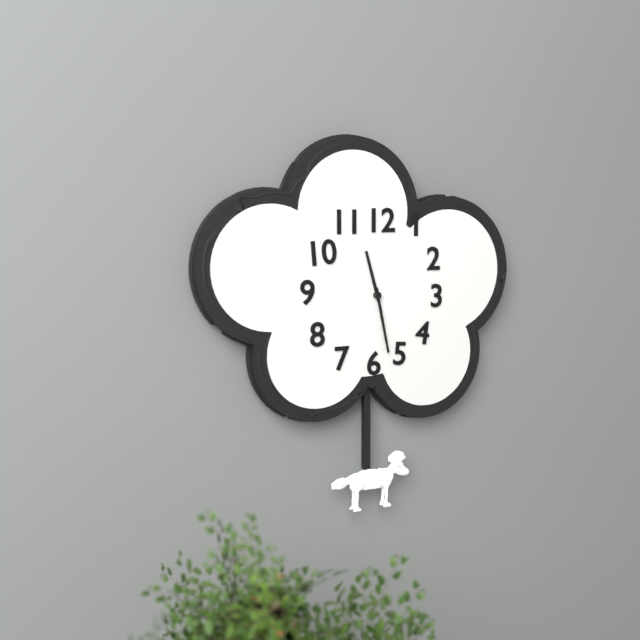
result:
{"hour": 11, "minute": 28}
